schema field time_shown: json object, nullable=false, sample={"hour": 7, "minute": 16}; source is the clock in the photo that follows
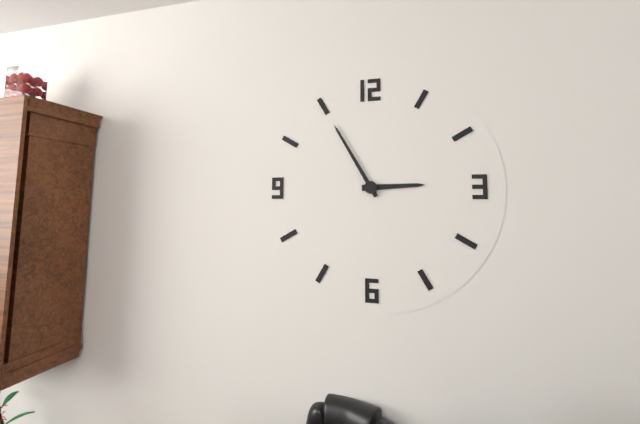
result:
{"hour": 2, "minute": 55}
